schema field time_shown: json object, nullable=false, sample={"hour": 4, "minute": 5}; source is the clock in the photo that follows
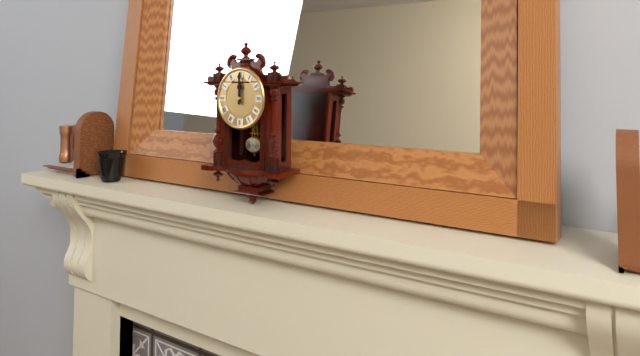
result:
{"hour": 12, "minute": 0}
